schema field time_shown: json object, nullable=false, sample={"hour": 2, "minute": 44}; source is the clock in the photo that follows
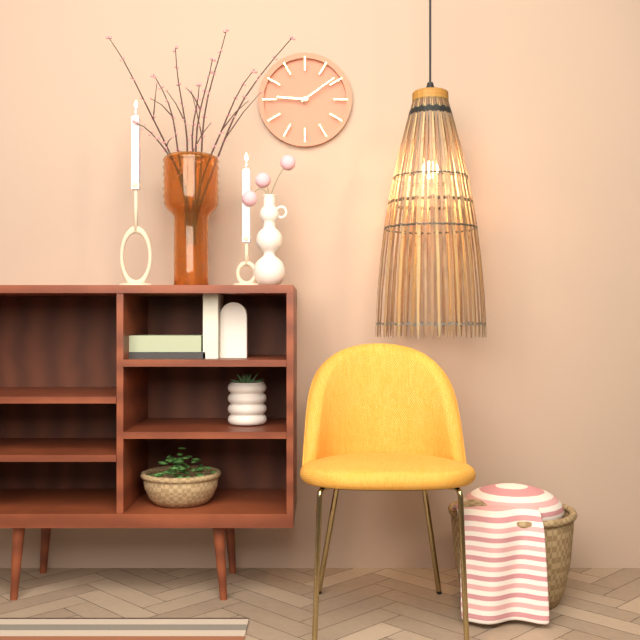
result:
{"hour": 9, "minute": 9}
